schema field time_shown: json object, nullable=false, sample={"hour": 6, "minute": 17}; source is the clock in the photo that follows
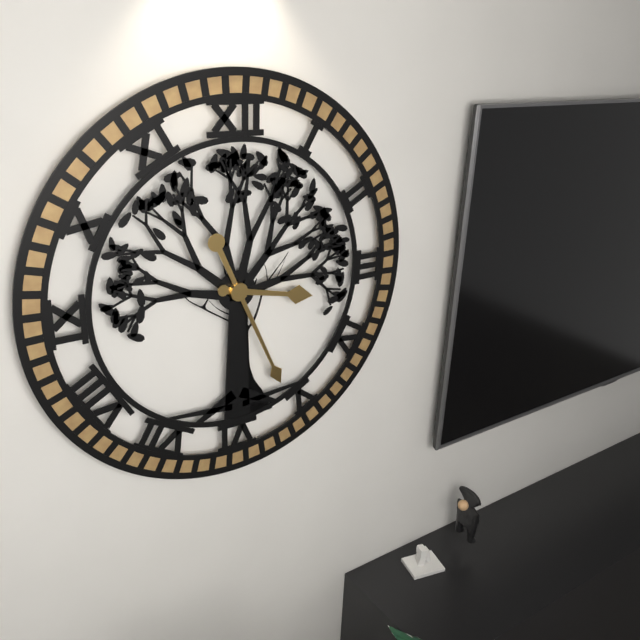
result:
{"hour": 3, "minute": 26}
